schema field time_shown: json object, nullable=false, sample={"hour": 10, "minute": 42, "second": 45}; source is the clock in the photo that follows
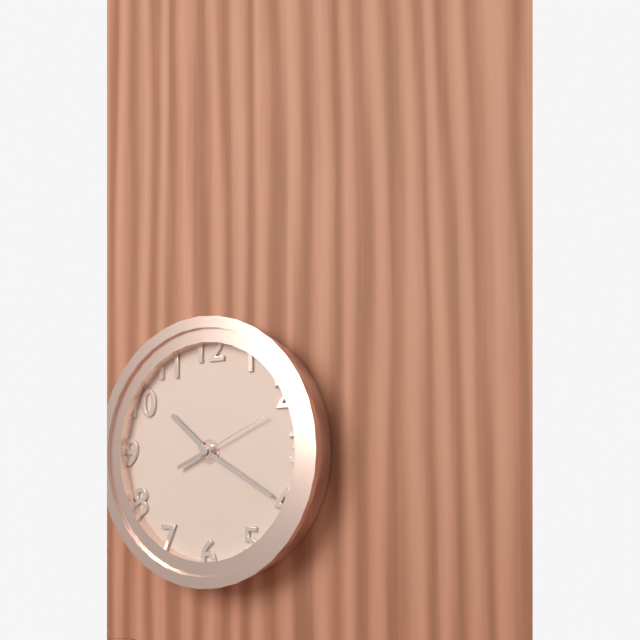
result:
{"hour": 10, "minute": 20, "second": 11}
